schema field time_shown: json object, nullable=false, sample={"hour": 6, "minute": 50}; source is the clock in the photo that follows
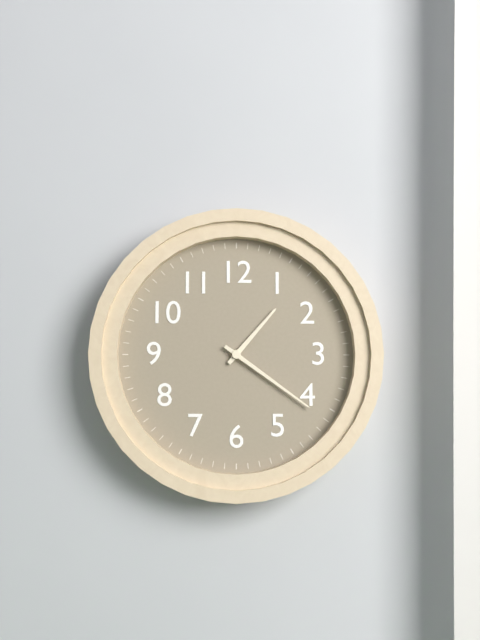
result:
{"hour": 1, "minute": 21}
